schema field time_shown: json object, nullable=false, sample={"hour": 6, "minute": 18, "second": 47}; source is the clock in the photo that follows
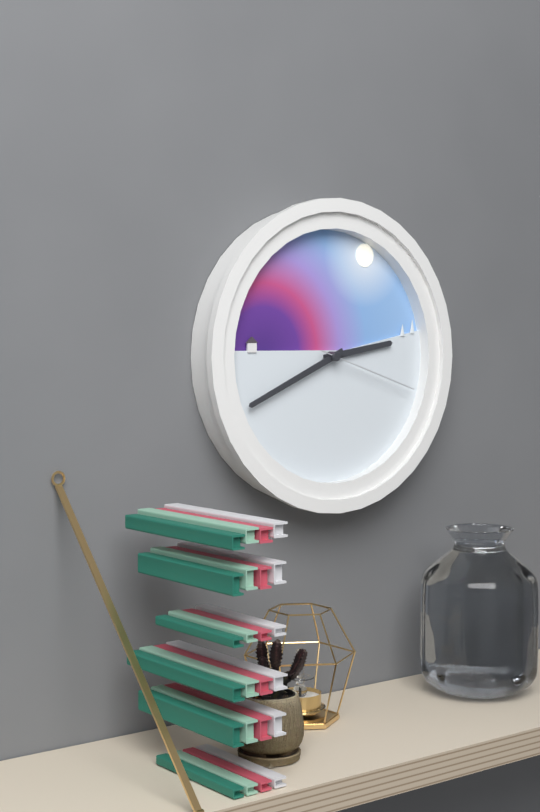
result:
{"hour": 2, "minute": 41, "second": 18}
